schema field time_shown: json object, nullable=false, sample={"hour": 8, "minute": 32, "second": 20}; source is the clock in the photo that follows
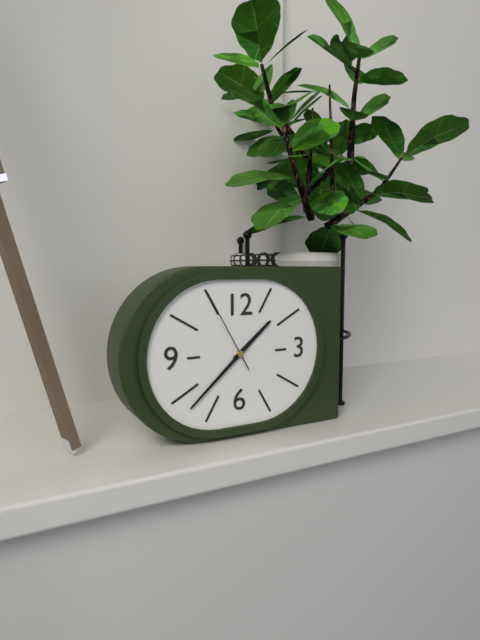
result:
{"hour": 1, "minute": 38, "second": 55}
